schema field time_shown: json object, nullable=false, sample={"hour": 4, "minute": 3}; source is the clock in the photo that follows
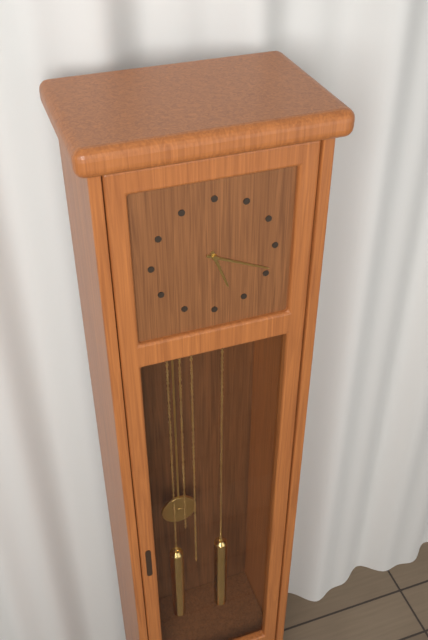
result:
{"hour": 5, "minute": 19}
